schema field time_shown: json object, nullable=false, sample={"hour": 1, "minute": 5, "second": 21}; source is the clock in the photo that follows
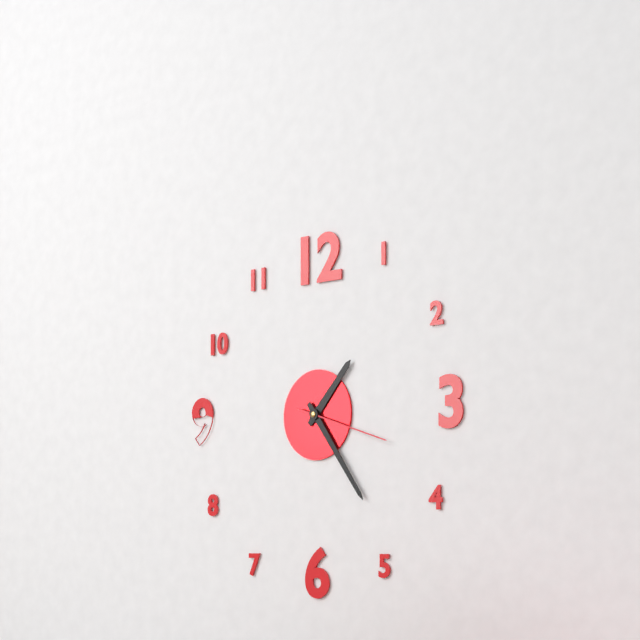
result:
{"hour": 1, "minute": 24, "second": 18}
